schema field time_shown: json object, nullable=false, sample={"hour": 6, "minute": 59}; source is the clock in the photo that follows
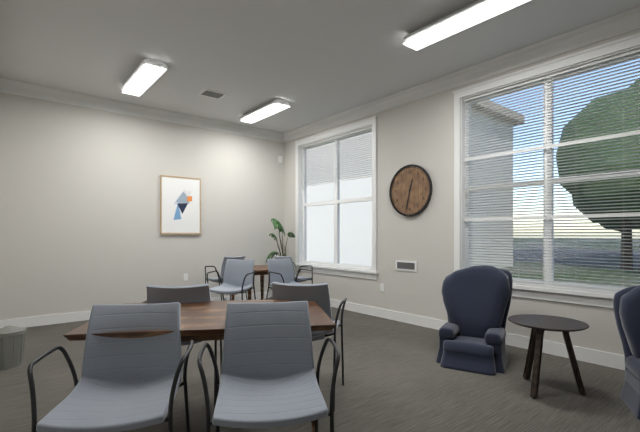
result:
{"hour": 12, "minute": 32}
